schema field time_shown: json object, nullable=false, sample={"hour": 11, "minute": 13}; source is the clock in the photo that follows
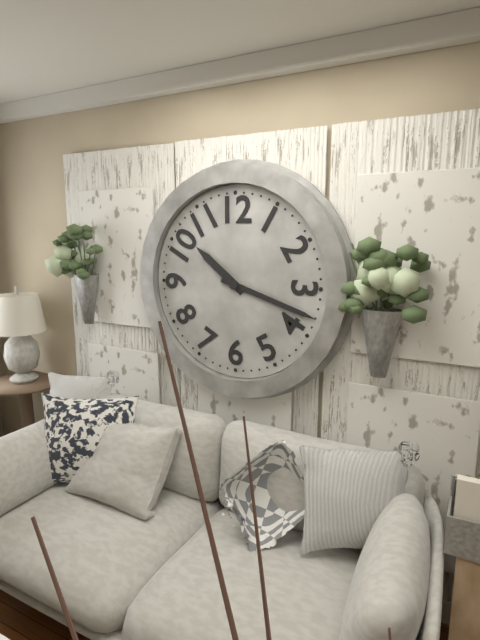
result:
{"hour": 10, "minute": 18}
